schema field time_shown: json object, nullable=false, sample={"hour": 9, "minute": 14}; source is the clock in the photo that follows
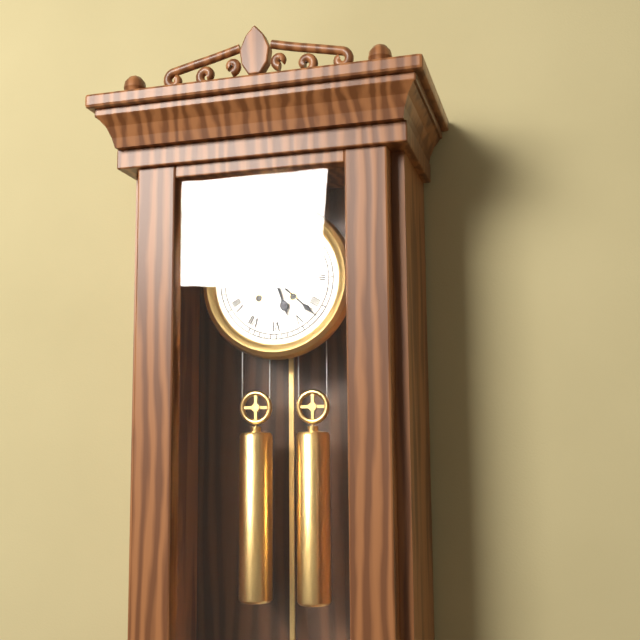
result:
{"hour": 5, "minute": 22}
